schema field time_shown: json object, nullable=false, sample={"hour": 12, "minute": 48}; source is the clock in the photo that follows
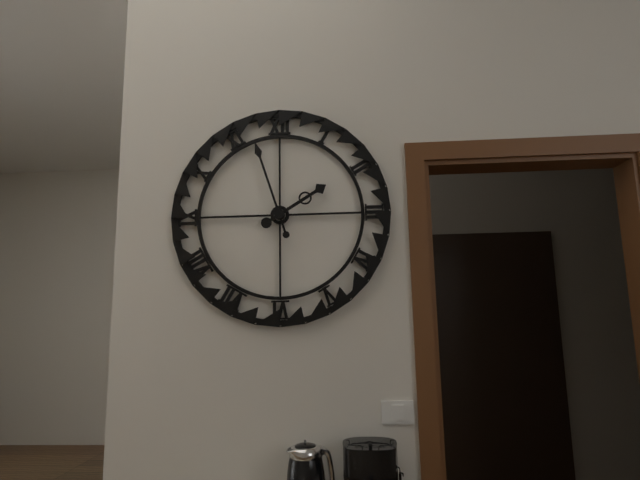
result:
{"hour": 1, "minute": 57}
